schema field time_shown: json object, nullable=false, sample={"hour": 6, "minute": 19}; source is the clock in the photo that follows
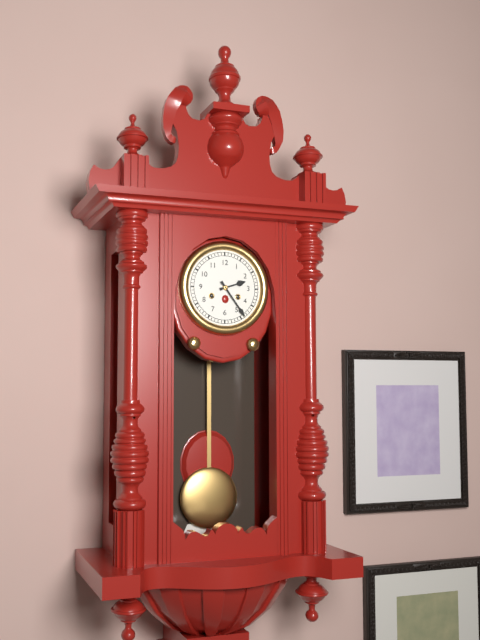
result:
{"hour": 2, "minute": 24}
